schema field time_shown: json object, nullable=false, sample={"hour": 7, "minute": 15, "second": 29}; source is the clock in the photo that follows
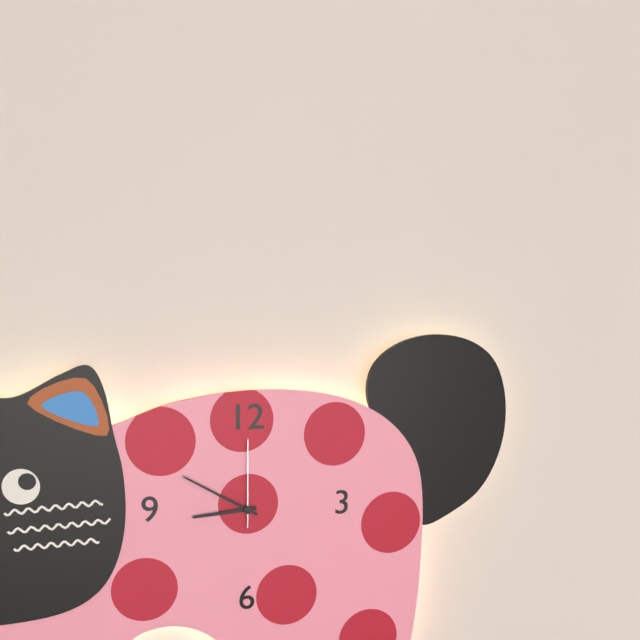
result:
{"hour": 8, "minute": 50, "second": 0}
